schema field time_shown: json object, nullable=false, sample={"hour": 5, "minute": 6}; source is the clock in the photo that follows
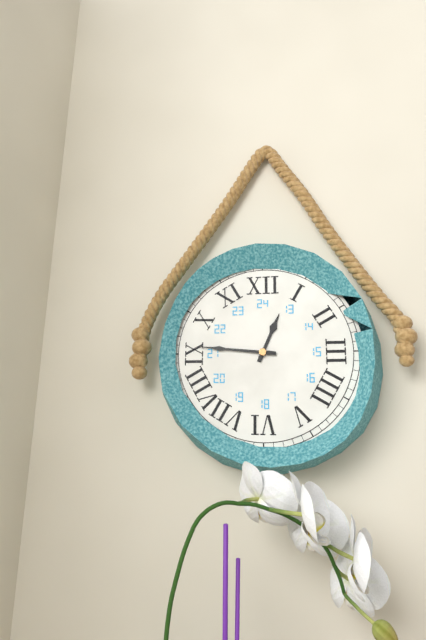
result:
{"hour": 12, "minute": 46}
